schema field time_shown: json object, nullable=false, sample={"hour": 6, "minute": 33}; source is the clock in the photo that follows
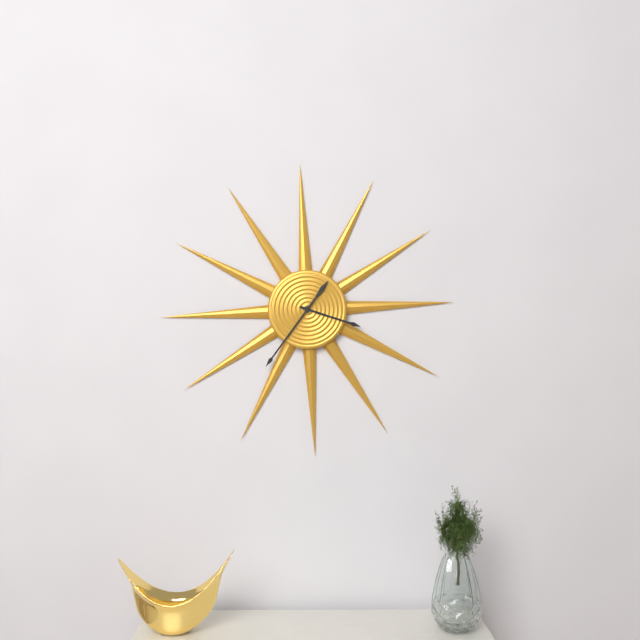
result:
{"hour": 3, "minute": 36}
